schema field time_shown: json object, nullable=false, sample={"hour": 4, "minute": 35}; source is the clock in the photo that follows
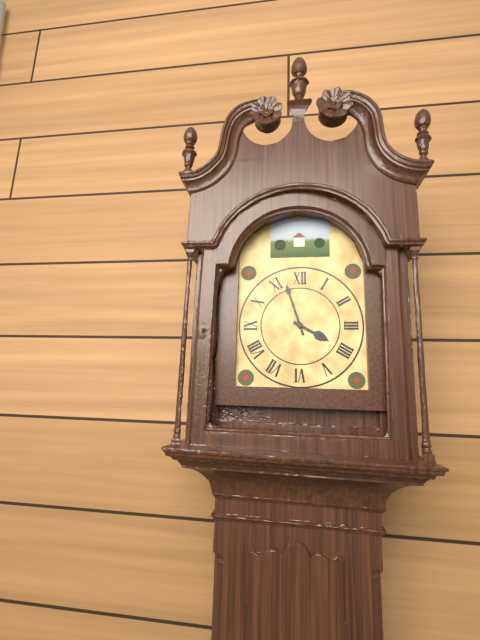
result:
{"hour": 3, "minute": 57}
